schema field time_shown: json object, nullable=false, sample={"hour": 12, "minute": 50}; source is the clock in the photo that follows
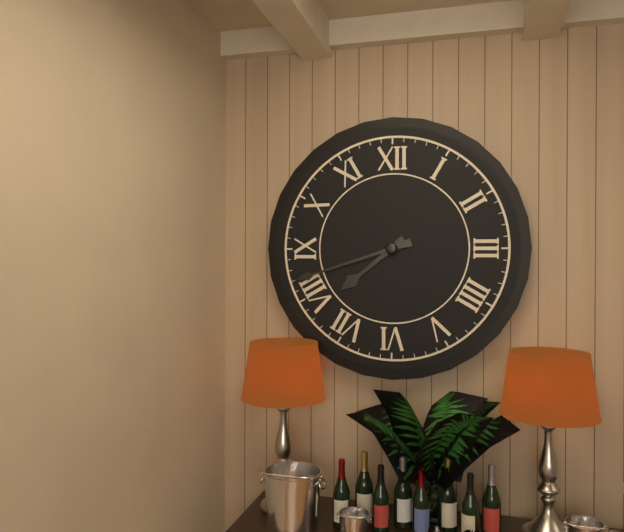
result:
{"hour": 7, "minute": 42}
